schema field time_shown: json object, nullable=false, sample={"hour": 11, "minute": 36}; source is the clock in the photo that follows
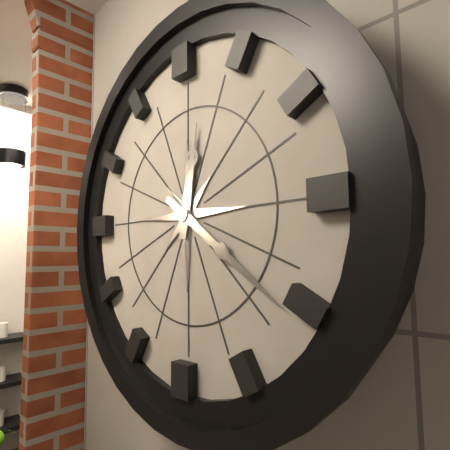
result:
{"hour": 12, "minute": 21}
